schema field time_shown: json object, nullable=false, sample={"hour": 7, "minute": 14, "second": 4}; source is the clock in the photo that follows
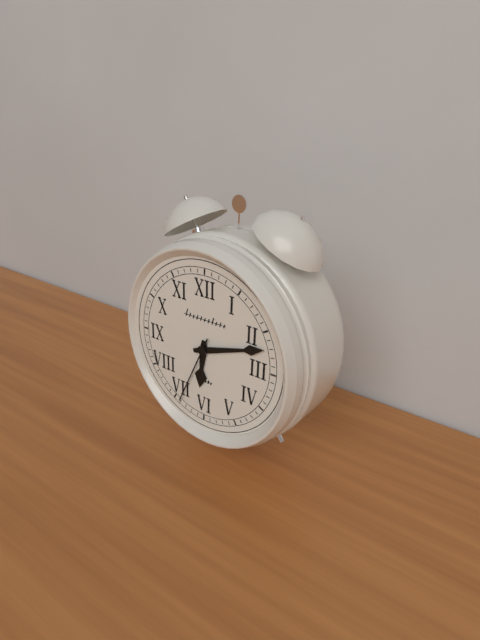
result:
{"hour": 6, "minute": 12, "second": 34}
